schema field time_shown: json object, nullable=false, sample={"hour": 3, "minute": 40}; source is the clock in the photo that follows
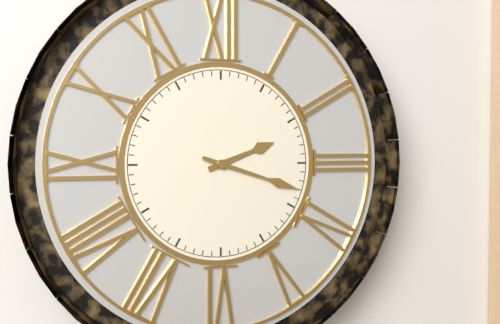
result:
{"hour": 2, "minute": 18}
